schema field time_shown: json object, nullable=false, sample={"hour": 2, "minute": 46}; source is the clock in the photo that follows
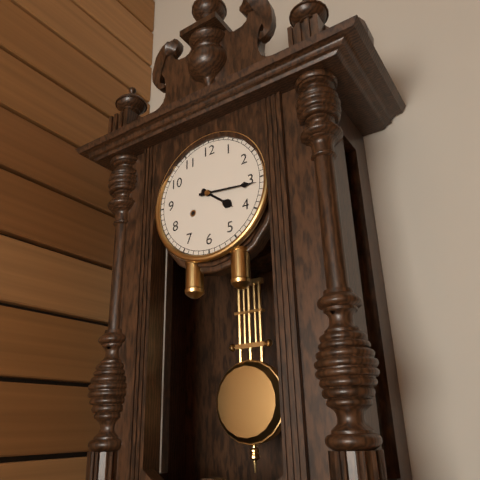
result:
{"hour": 4, "minute": 16}
